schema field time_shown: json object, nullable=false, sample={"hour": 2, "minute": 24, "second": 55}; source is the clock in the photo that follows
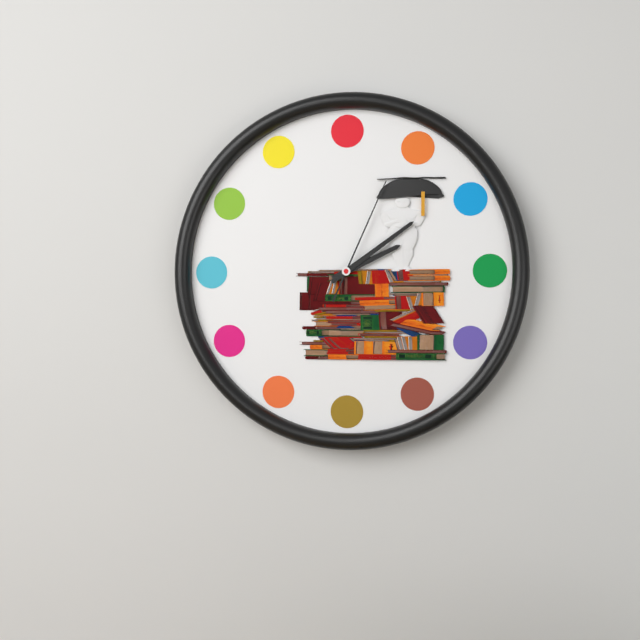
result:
{"hour": 2, "minute": 9, "second": 4}
